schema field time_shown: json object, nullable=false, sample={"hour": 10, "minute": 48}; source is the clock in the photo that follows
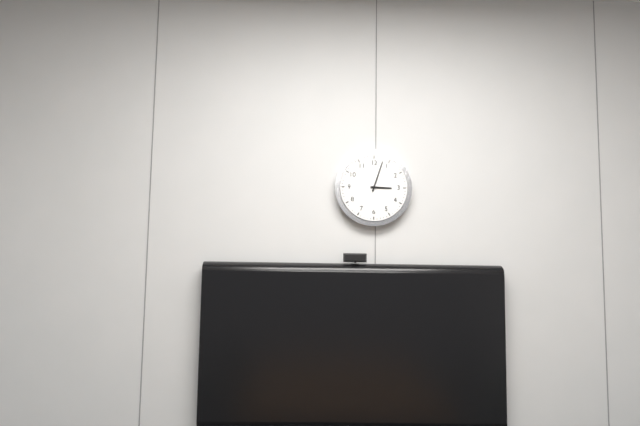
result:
{"hour": 3, "minute": 3}
